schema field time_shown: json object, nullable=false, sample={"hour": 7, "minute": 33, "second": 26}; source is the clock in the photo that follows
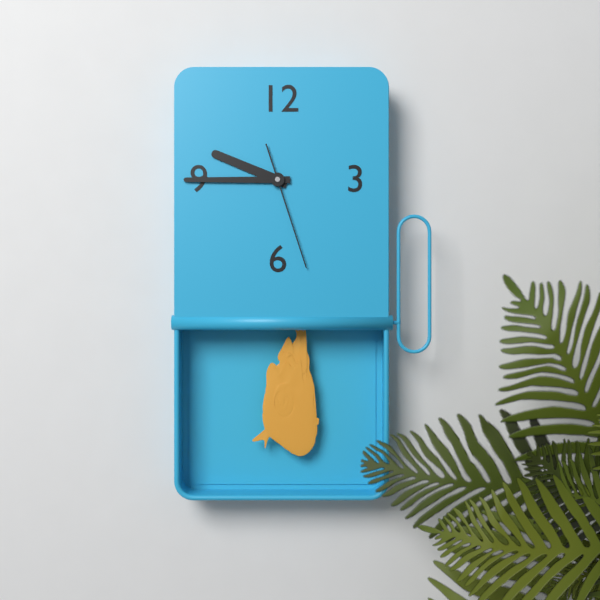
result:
{"hour": 9, "minute": 45, "second": 27}
